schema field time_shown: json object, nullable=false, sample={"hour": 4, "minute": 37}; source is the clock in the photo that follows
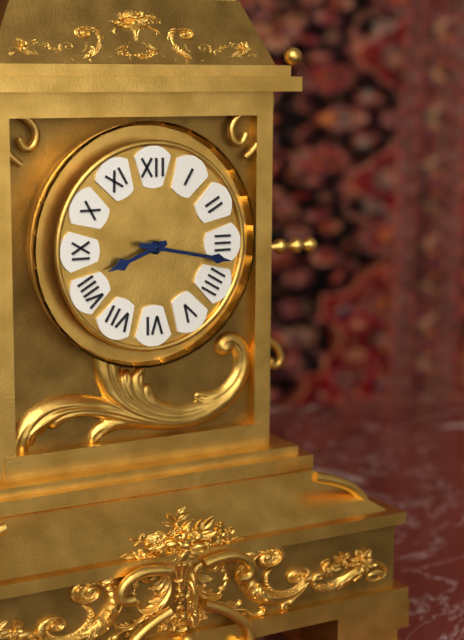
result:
{"hour": 8, "minute": 17}
